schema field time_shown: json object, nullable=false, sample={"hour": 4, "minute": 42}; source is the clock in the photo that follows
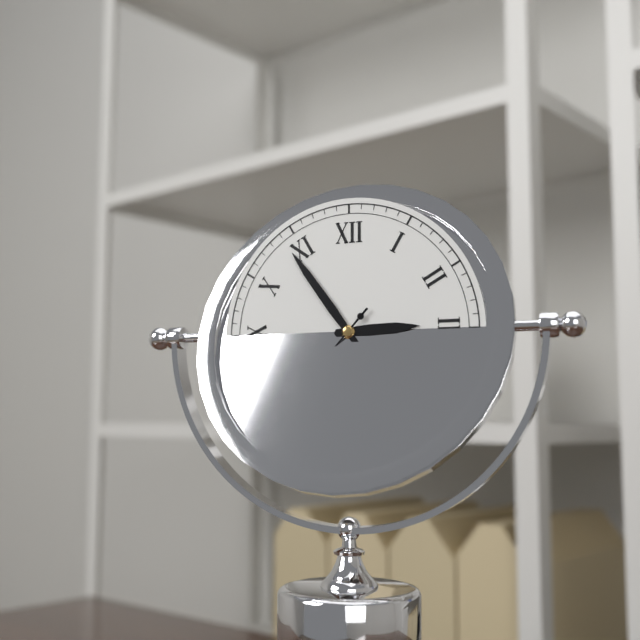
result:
{"hour": 2, "minute": 54}
